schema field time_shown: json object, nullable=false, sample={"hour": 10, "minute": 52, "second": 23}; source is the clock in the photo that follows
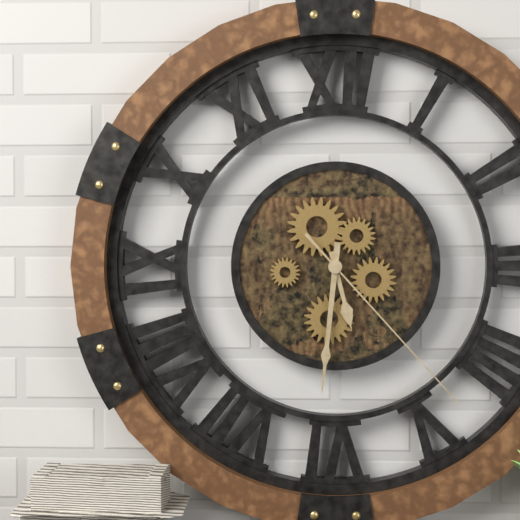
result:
{"hour": 5, "minute": 31, "second": 23}
